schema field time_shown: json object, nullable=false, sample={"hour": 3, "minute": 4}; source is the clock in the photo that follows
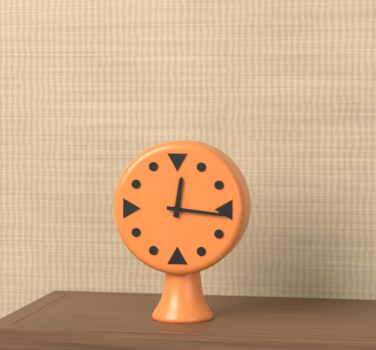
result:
{"hour": 12, "minute": 16}
